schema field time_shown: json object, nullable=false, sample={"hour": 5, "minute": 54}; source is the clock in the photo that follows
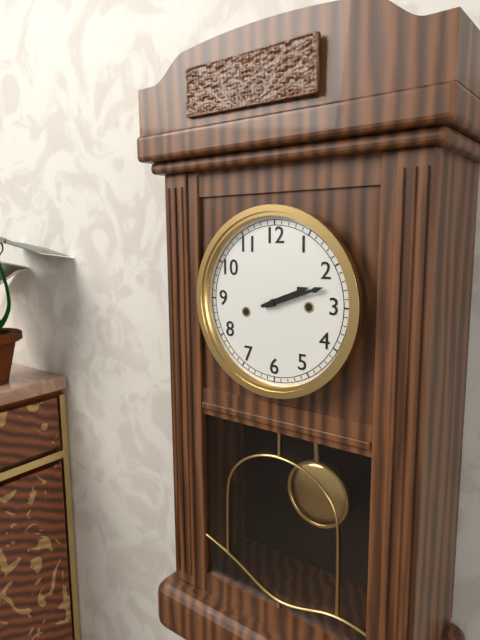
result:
{"hour": 2, "minute": 12}
